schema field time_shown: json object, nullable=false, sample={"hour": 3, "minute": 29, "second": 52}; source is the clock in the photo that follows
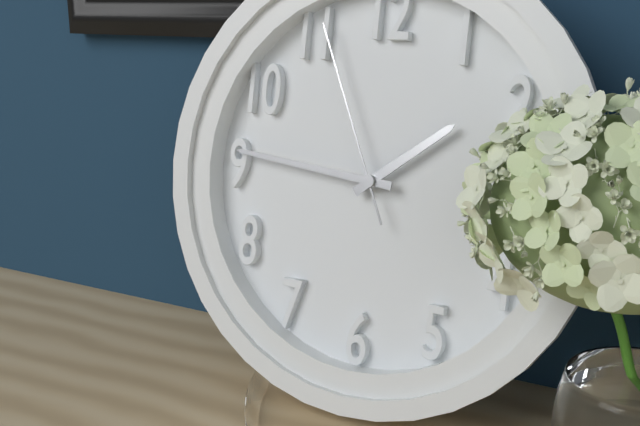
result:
{"hour": 1, "minute": 46, "second": 56}
